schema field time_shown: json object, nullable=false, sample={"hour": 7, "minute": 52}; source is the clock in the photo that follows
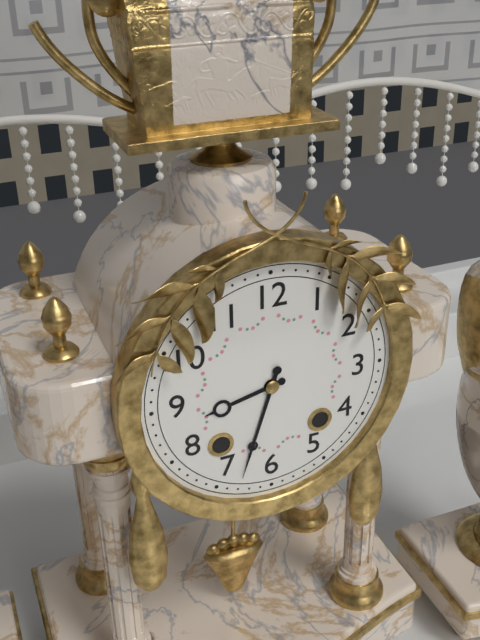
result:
{"hour": 8, "minute": 33}
